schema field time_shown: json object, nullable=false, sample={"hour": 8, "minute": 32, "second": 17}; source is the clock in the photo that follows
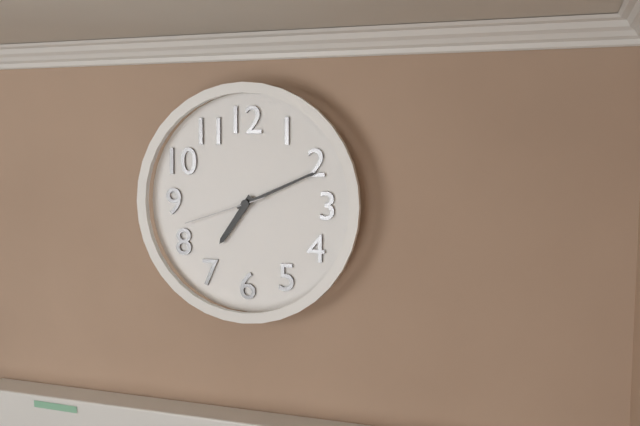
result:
{"hour": 7, "minute": 11, "second": 42}
